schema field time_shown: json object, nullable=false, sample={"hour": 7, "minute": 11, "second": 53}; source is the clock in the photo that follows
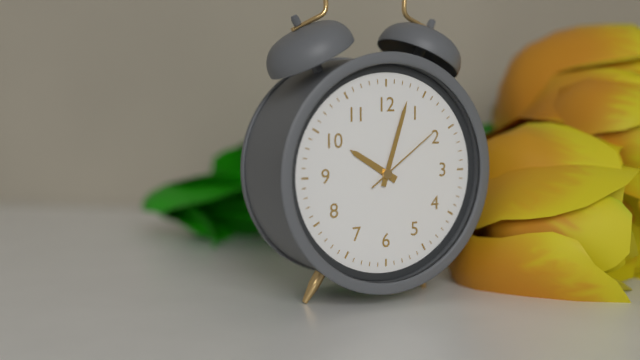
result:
{"hour": 10, "minute": 3, "second": 9}
